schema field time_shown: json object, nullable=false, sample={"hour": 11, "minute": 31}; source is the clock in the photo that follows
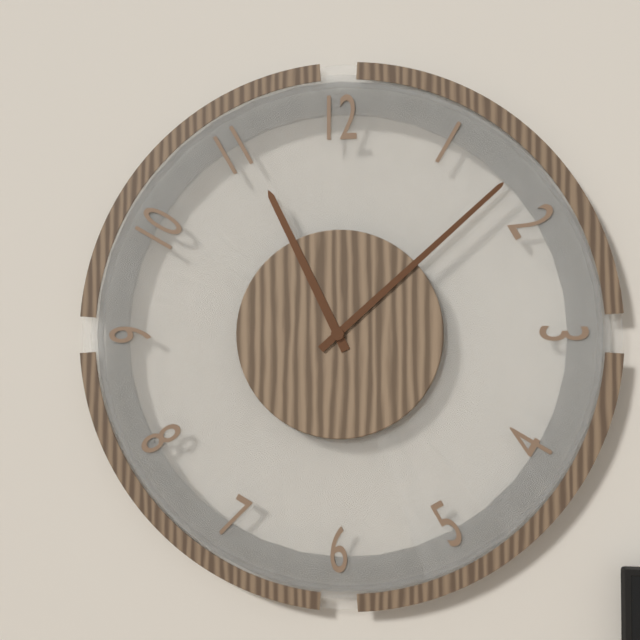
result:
{"hour": 11, "minute": 8}
